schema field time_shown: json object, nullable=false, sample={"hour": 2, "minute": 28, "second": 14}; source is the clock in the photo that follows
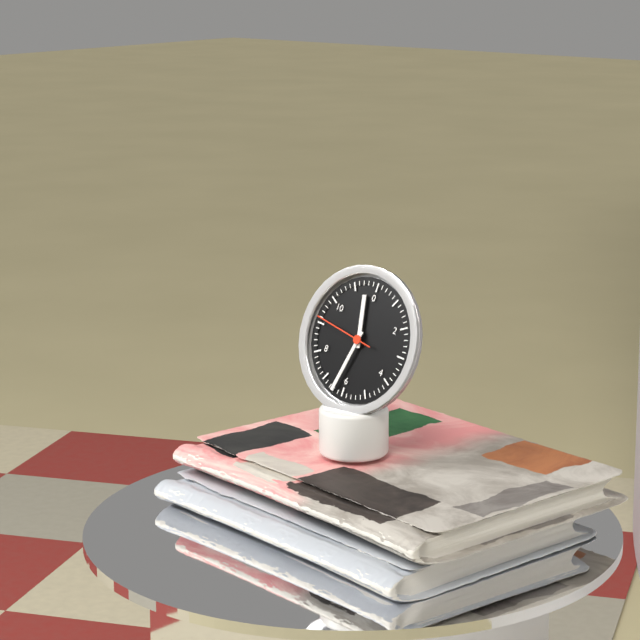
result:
{"hour": 11, "minute": 32, "second": 46}
